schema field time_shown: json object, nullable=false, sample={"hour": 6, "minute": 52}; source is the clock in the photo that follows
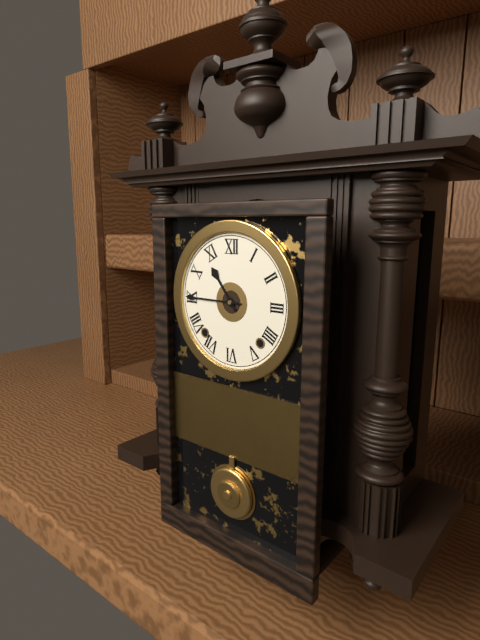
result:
{"hour": 10, "minute": 45}
